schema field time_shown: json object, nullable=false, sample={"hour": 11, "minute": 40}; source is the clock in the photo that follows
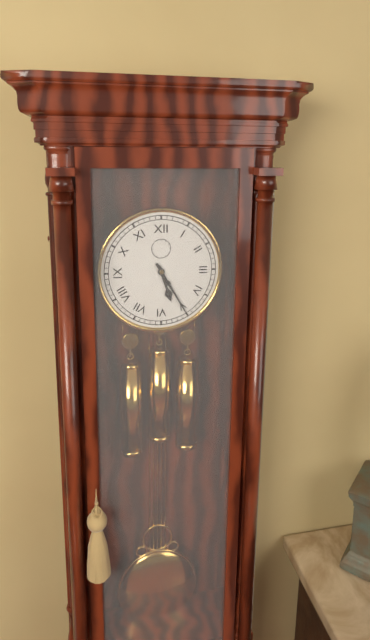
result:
{"hour": 5, "minute": 25}
